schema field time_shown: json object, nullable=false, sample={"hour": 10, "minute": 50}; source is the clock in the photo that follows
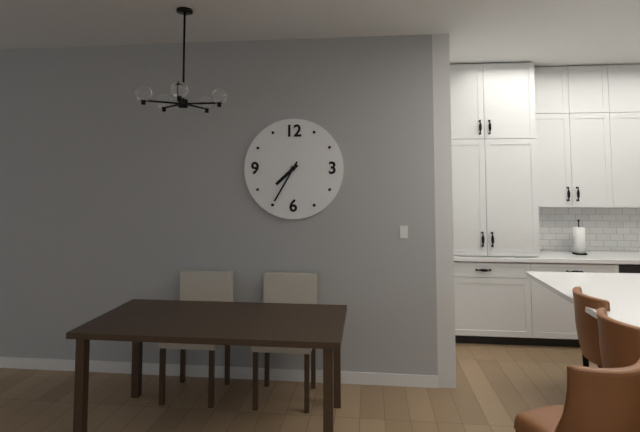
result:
{"hour": 7, "minute": 35}
